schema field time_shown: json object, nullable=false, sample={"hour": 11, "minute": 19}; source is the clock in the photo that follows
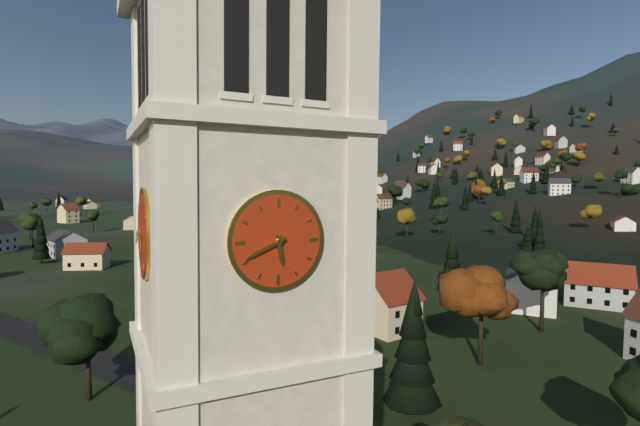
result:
{"hour": 5, "minute": 41}
